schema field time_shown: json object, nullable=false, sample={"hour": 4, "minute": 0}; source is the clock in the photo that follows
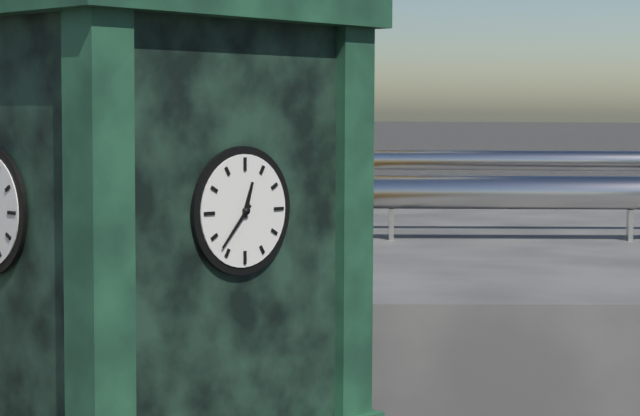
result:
{"hour": 12, "minute": 37}
